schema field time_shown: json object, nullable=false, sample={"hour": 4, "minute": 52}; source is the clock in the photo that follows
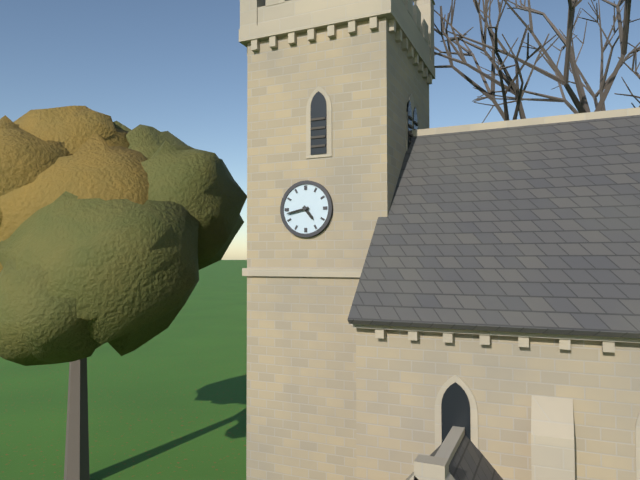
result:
{"hour": 4, "minute": 43}
